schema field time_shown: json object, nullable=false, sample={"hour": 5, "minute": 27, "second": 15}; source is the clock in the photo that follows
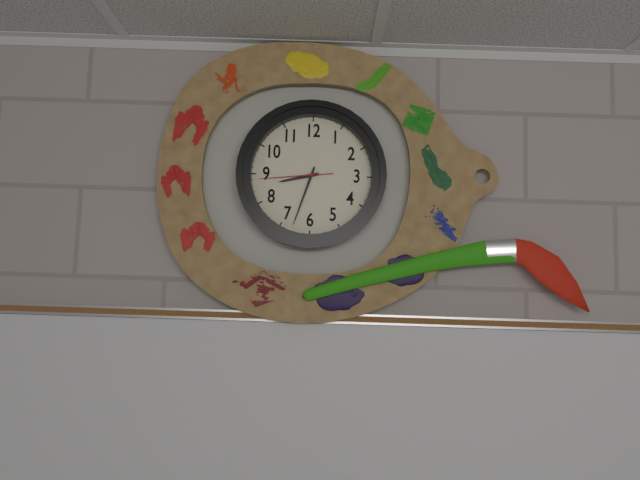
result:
{"hour": 8, "minute": 33, "second": 44}
